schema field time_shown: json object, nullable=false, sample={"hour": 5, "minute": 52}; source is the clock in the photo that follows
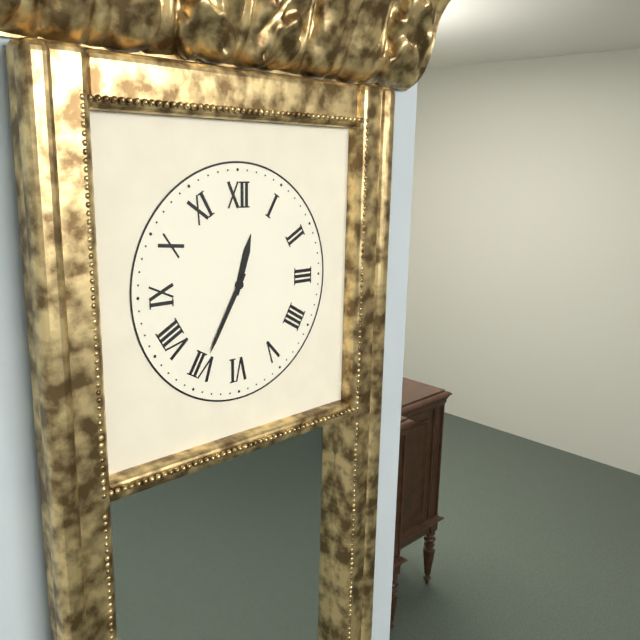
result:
{"hour": 12, "minute": 35}
